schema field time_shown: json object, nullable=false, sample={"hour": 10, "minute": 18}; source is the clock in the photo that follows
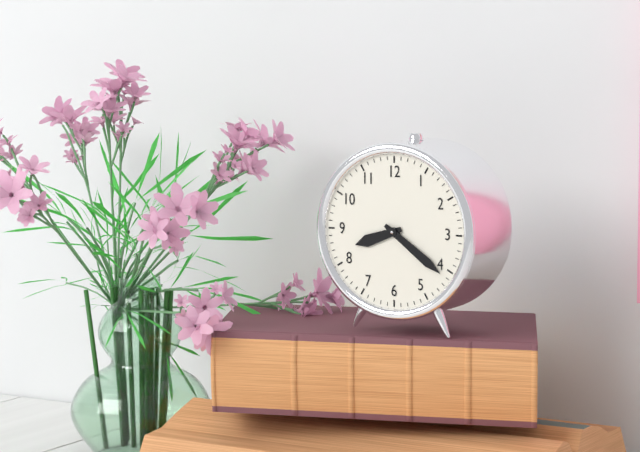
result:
{"hour": 8, "minute": 21}
